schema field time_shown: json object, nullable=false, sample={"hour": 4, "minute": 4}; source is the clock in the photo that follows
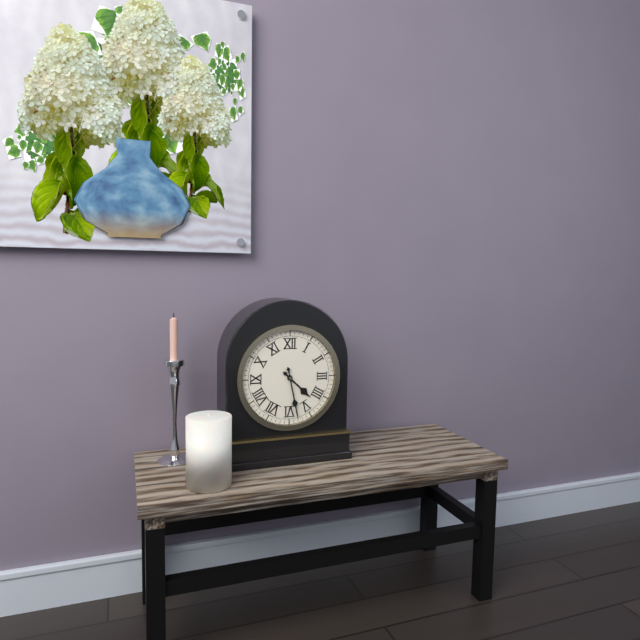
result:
{"hour": 4, "minute": 28}
